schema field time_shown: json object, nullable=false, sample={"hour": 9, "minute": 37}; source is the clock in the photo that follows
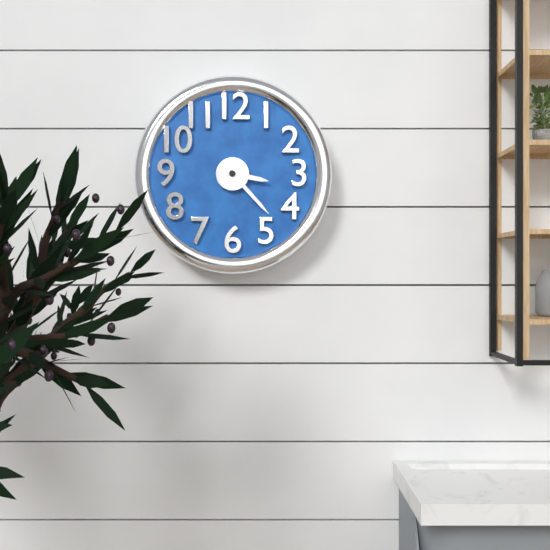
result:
{"hour": 3, "minute": 23}
